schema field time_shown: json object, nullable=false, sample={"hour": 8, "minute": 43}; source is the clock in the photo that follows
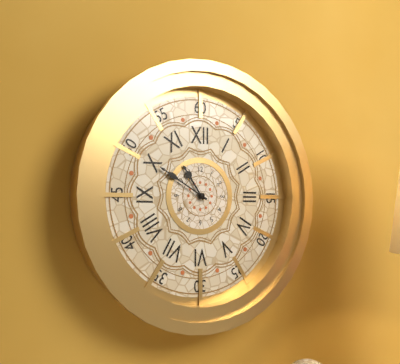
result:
{"hour": 10, "minute": 50}
